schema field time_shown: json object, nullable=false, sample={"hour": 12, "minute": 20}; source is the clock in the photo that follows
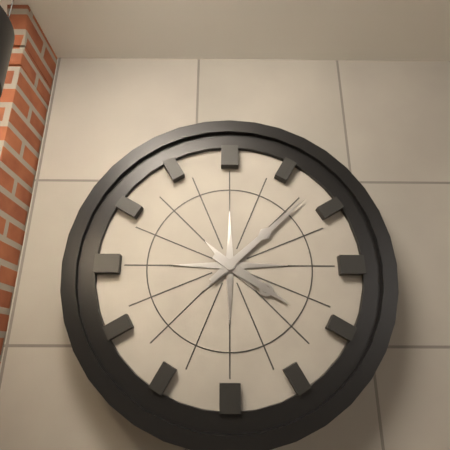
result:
{"hour": 4, "minute": 8}
